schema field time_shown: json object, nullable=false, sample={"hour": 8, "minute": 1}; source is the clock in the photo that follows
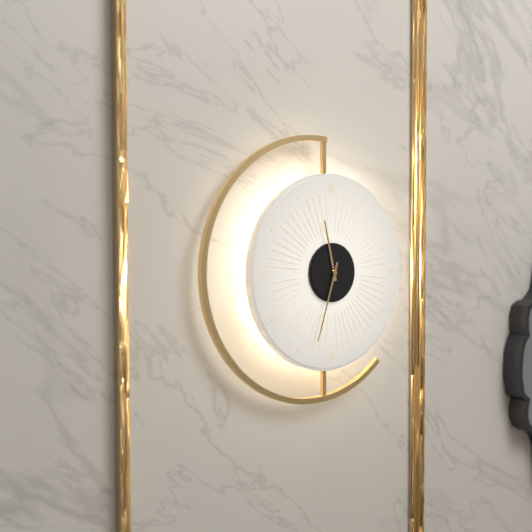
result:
{"hour": 11, "minute": 33}
